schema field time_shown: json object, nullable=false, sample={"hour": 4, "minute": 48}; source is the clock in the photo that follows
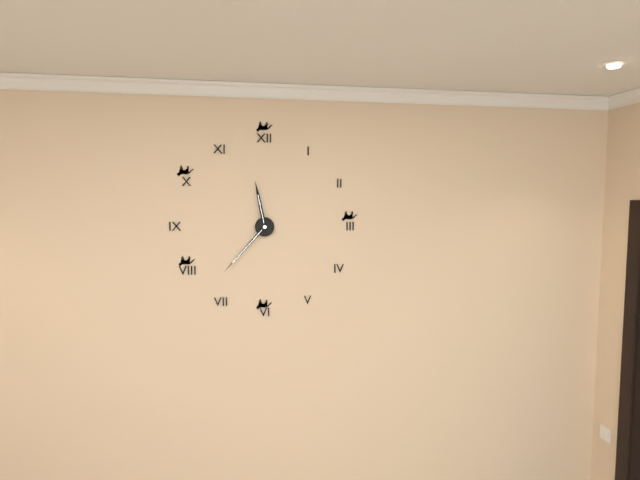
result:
{"hour": 11, "minute": 37}
